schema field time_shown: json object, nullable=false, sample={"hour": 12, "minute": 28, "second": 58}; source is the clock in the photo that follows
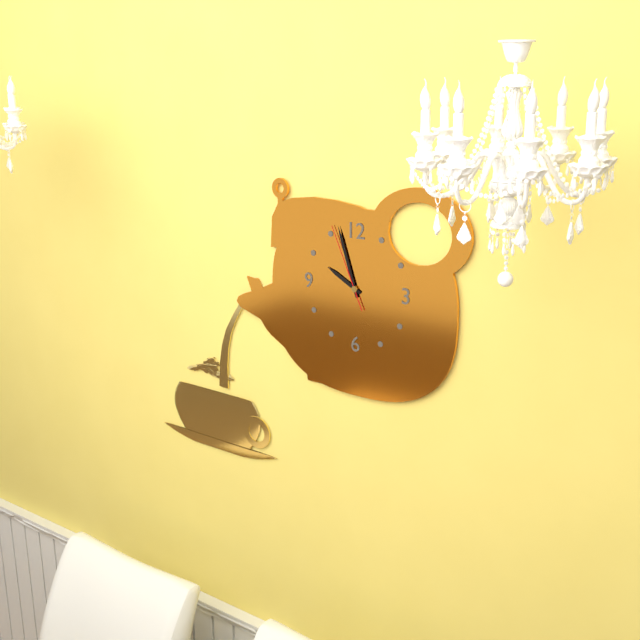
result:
{"hour": 9, "minute": 57, "second": 56}
